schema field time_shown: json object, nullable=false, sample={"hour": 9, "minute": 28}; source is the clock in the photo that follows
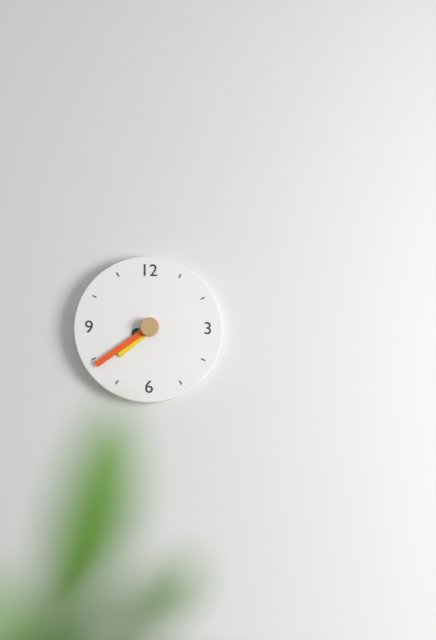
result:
{"hour": 7, "minute": 39}
